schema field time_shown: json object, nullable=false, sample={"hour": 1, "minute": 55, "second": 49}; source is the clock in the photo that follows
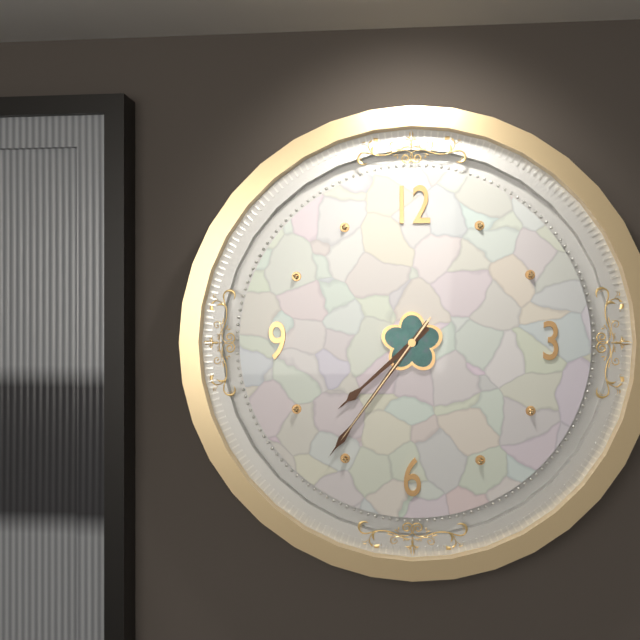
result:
{"hour": 7, "minute": 36, "second": 36}
